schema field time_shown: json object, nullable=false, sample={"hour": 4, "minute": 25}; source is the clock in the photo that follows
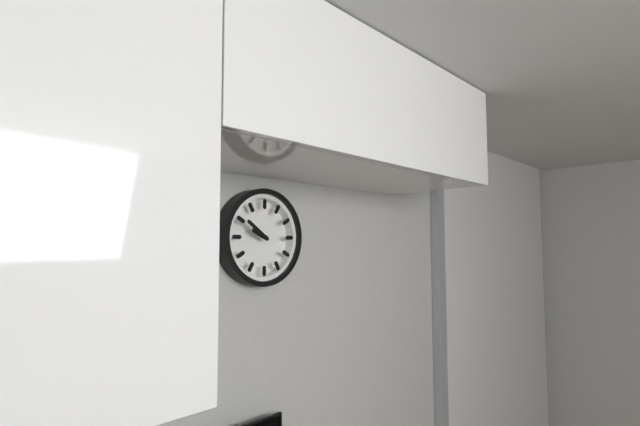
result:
{"hour": 9, "minute": 51}
